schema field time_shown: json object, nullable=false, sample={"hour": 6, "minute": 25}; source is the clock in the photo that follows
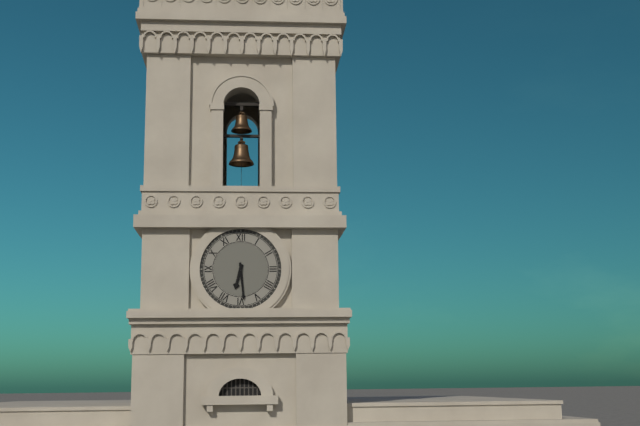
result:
{"hour": 6, "minute": 29}
